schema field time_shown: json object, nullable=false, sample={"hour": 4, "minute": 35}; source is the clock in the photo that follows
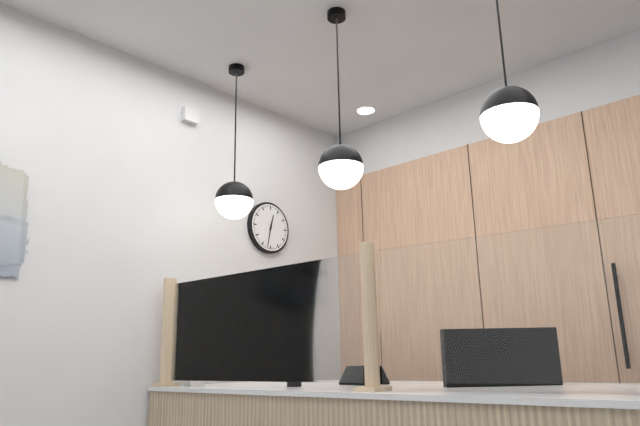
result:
{"hour": 12, "minute": 32}
